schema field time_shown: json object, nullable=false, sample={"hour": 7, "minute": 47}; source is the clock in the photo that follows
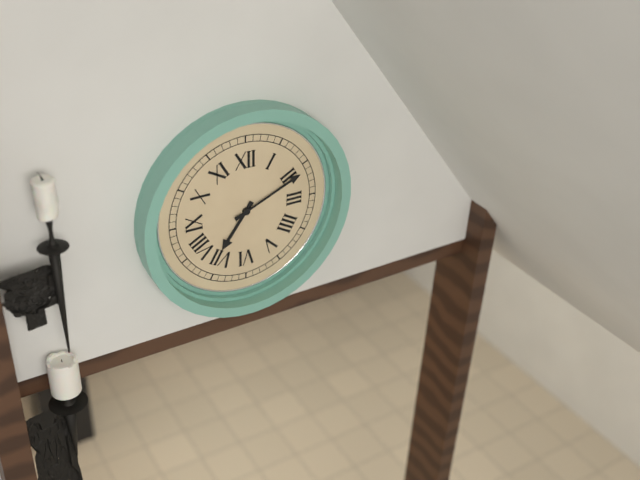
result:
{"hour": 7, "minute": 11}
